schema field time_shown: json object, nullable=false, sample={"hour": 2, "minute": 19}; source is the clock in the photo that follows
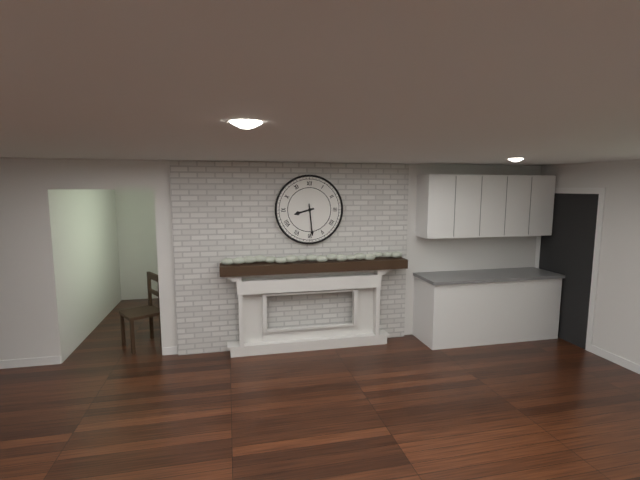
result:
{"hour": 8, "minute": 29}
